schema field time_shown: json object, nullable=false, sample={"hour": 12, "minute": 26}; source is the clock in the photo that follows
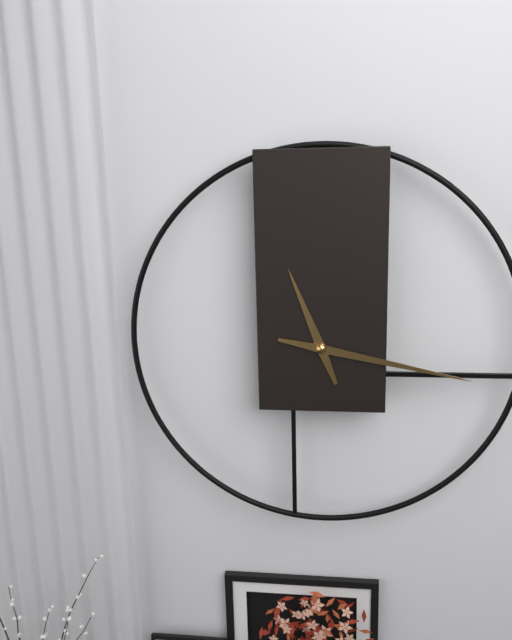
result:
{"hour": 11, "minute": 17}
